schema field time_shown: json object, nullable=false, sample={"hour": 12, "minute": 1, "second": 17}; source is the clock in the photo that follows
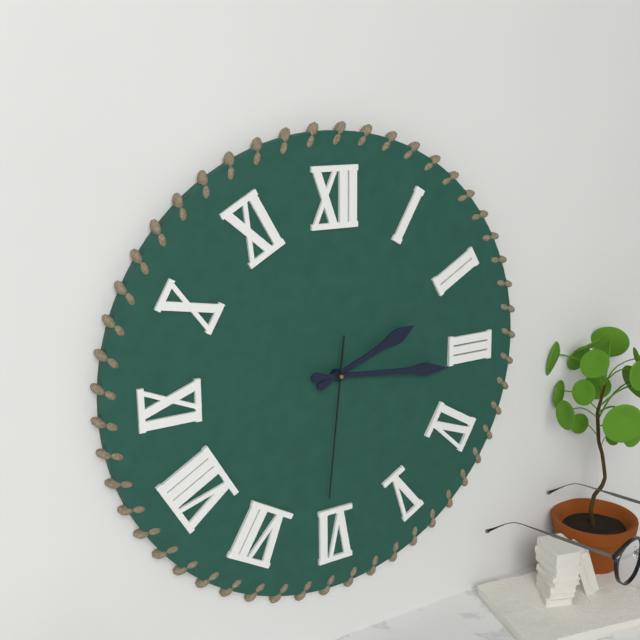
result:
{"hour": 2, "minute": 16, "second": 31}
